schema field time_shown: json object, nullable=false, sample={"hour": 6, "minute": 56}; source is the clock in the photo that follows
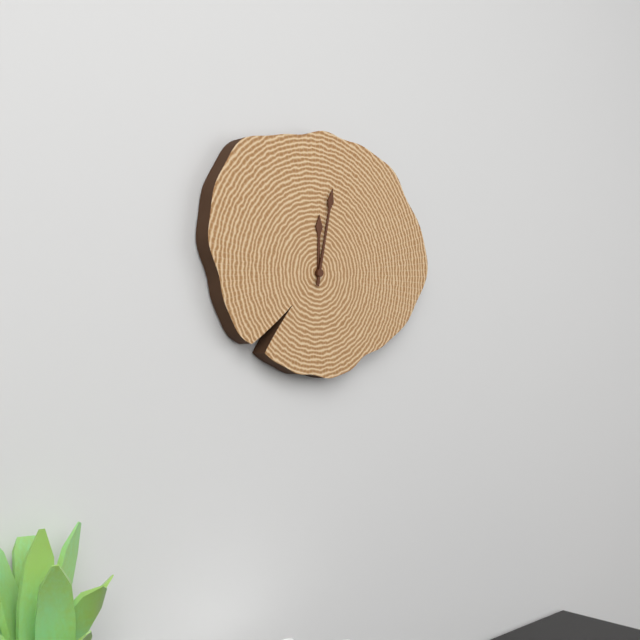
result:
{"hour": 12, "minute": 2}
